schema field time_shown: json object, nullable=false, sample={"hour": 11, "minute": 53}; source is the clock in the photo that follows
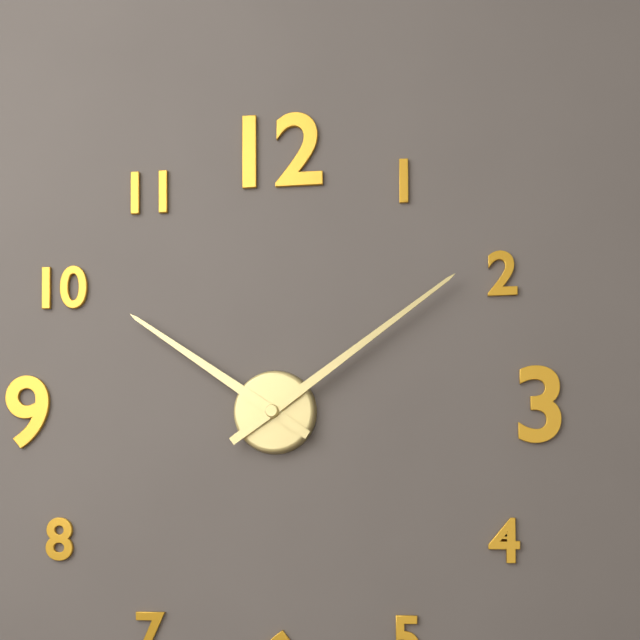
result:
{"hour": 10, "minute": 9}
